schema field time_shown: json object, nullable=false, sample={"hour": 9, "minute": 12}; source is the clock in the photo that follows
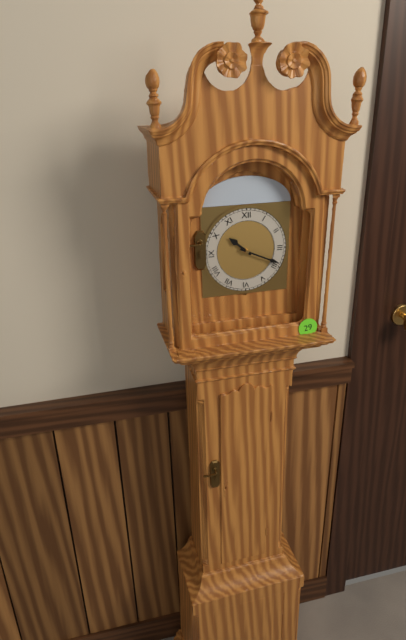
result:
{"hour": 10, "minute": 19}
